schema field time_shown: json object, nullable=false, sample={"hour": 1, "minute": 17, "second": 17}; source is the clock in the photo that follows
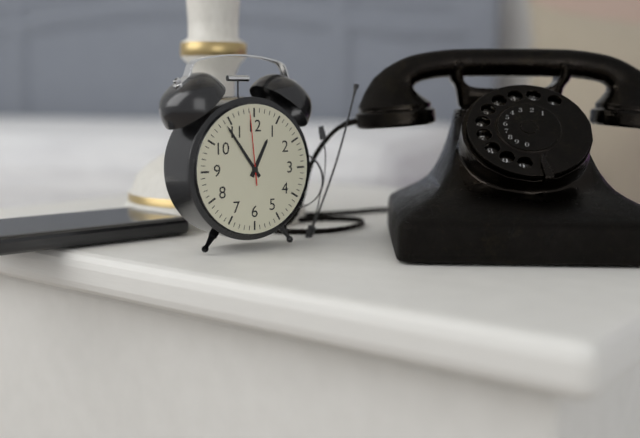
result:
{"hour": 12, "minute": 54, "second": 59}
